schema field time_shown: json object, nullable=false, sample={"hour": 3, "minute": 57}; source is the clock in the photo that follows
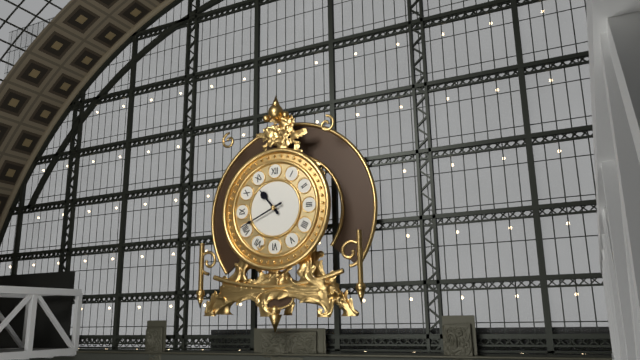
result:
{"hour": 10, "minute": 41}
